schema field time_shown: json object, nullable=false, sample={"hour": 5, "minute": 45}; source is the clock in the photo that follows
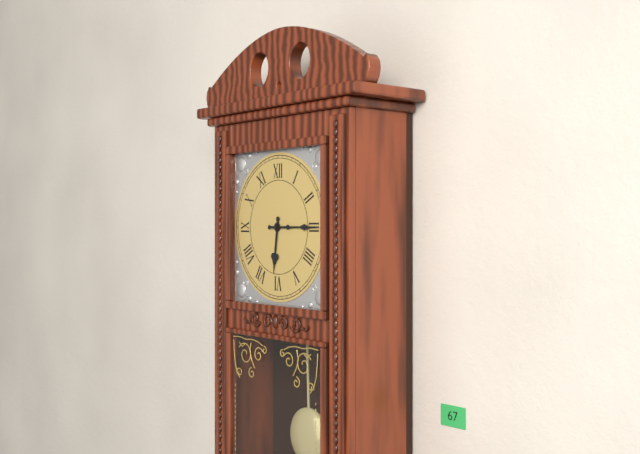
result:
{"hour": 6, "minute": 15}
